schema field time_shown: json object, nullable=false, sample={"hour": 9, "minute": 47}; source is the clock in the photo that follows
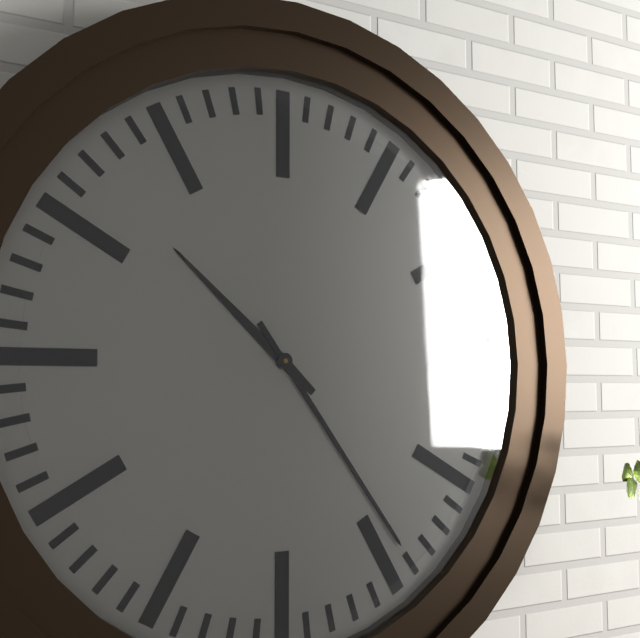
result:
{"hour": 10, "minute": 24}
